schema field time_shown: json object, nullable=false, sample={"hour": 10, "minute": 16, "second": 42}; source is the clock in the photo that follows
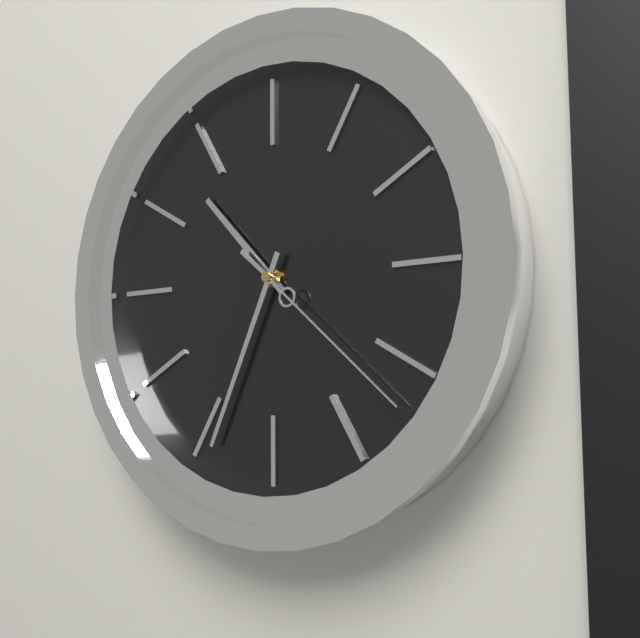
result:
{"hour": 10, "minute": 34, "second": 22}
